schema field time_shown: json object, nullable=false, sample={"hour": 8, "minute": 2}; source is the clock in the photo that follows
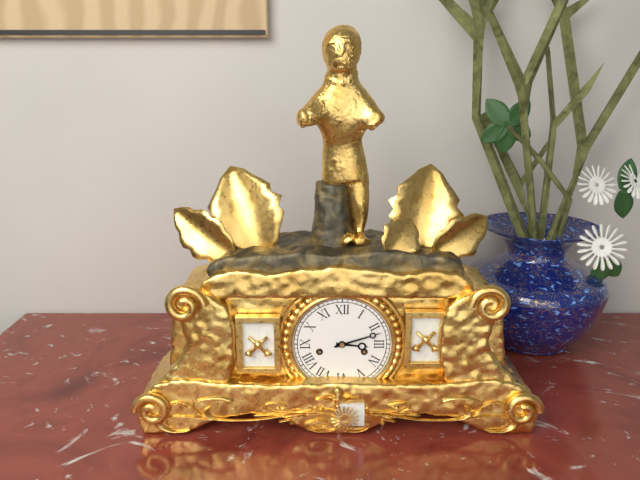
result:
{"hour": 3, "minute": 12}
